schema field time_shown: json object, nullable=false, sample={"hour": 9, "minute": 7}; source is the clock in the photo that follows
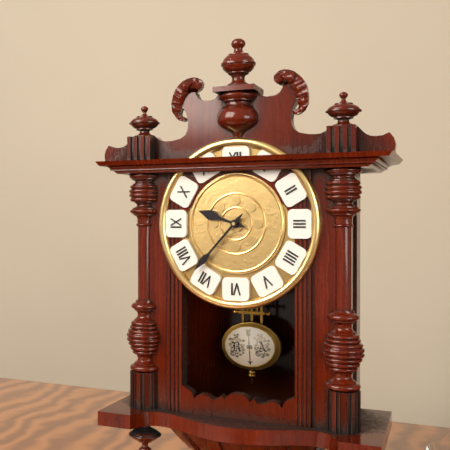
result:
{"hour": 9, "minute": 37}
